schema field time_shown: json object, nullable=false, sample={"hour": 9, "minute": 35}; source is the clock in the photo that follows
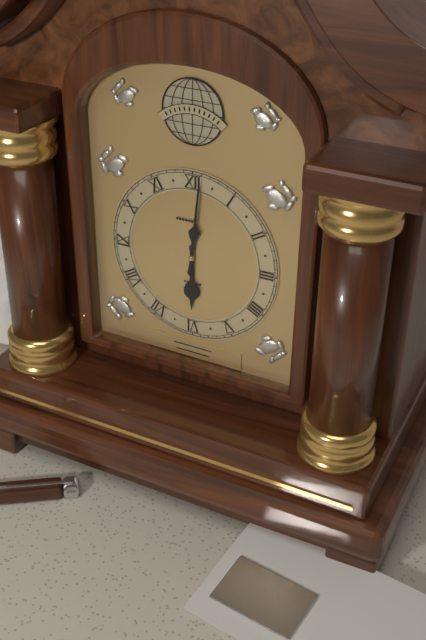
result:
{"hour": 6, "minute": 1}
